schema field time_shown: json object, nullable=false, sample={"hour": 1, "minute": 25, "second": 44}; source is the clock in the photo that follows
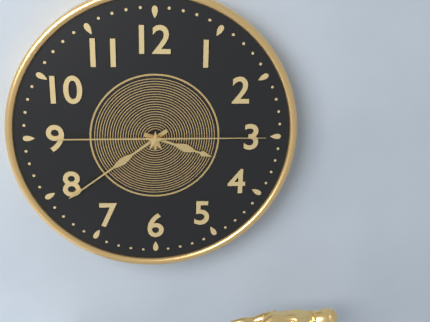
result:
{"hour": 3, "minute": 39, "second": 15}
